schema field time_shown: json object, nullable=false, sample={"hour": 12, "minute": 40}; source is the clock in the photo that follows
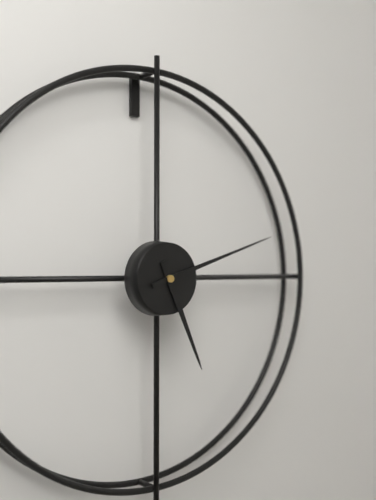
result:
{"hour": 5, "minute": 12}
